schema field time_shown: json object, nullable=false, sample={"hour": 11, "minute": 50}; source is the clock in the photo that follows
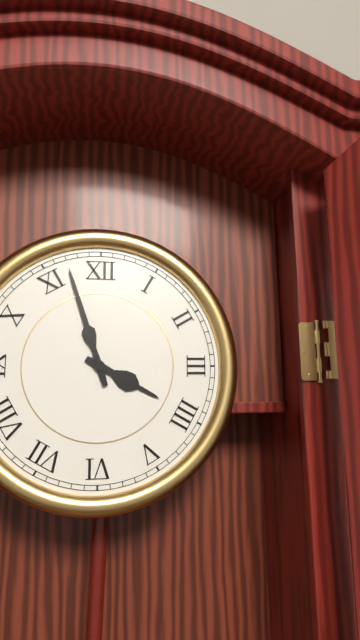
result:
{"hour": 3, "minute": 57}
